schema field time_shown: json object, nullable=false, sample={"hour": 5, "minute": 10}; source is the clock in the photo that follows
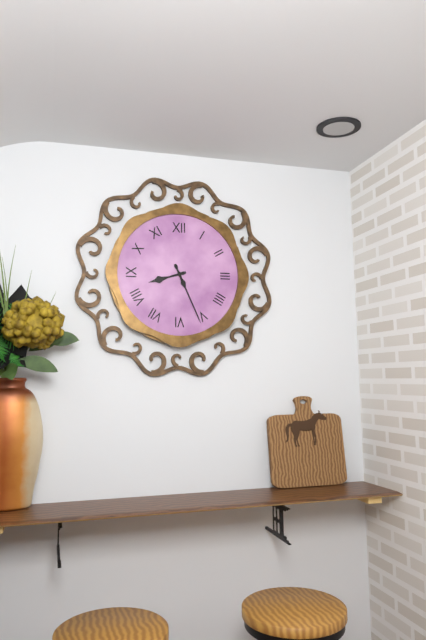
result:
{"hour": 8, "minute": 26}
